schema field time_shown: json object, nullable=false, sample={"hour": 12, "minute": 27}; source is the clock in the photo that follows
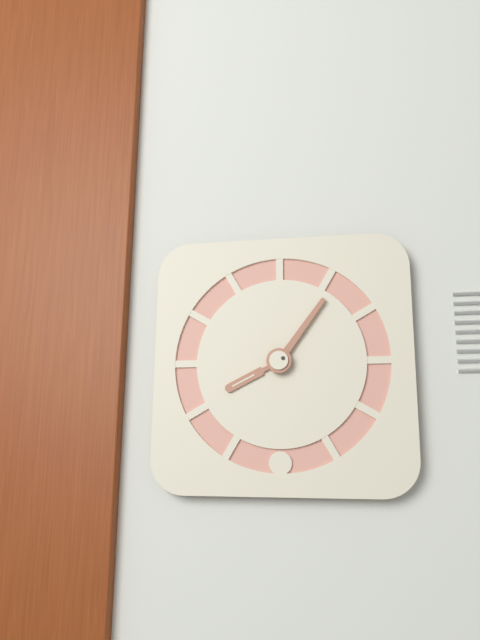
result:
{"hour": 8, "minute": 6}
